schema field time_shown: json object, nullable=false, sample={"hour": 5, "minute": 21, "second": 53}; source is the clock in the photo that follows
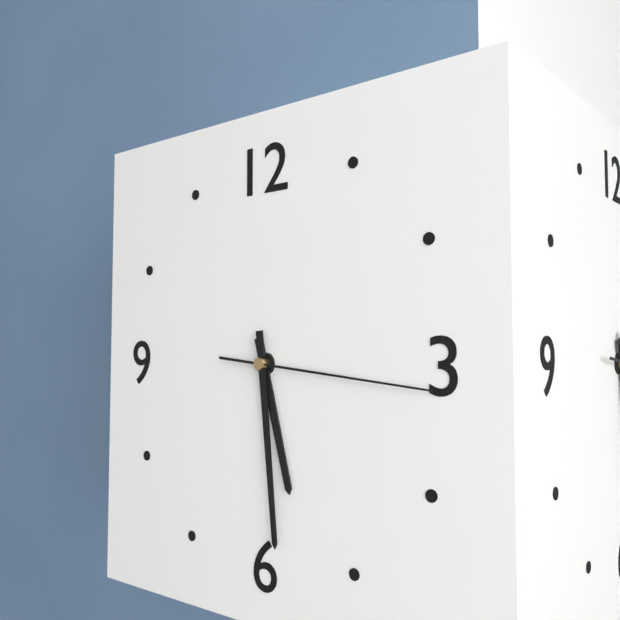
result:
{"hour": 5, "minute": 29, "second": 16}
